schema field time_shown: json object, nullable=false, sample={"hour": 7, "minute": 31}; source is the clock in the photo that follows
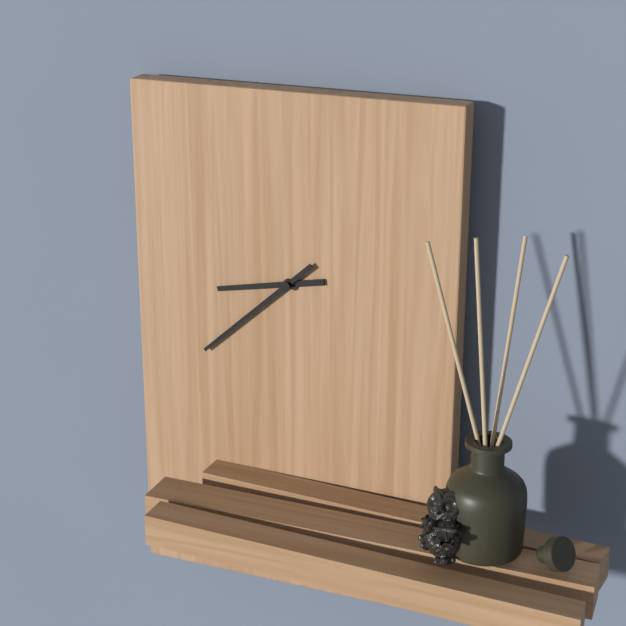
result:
{"hour": 8, "minute": 38}
